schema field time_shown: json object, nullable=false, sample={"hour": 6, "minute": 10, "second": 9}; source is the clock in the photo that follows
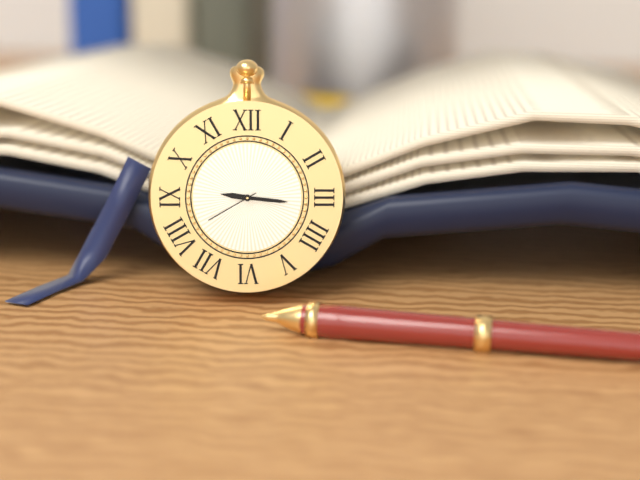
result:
{"hour": 9, "minute": 16, "second": 40}
